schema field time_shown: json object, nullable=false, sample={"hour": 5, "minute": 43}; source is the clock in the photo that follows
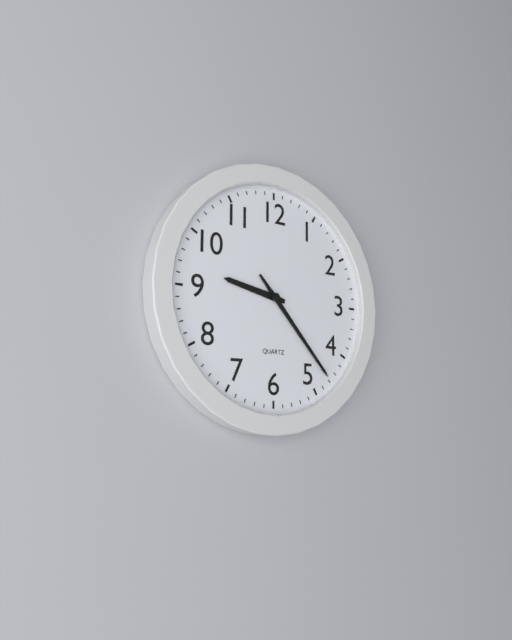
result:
{"hour": 9, "minute": 23}
